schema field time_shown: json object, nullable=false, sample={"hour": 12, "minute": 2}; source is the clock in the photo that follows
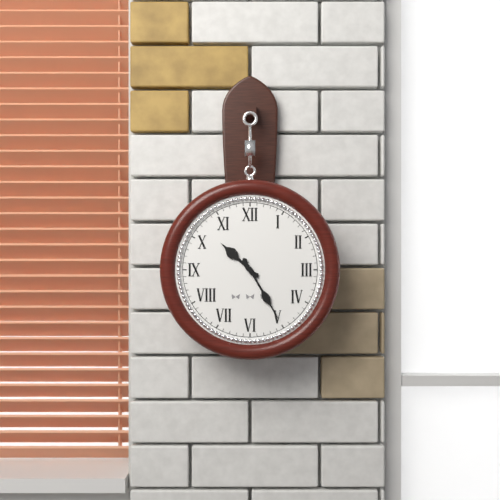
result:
{"hour": 10, "minute": 25}
